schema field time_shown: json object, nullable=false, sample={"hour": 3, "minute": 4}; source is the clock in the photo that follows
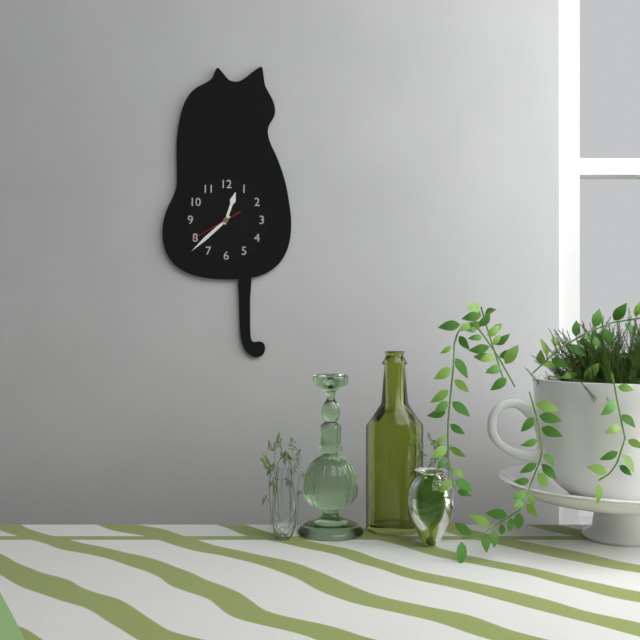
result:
{"hour": 12, "minute": 38}
